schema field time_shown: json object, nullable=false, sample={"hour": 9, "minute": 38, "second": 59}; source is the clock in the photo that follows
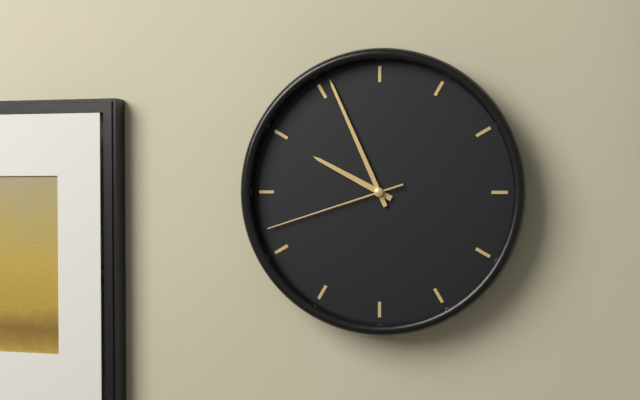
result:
{"hour": 9, "minute": 56, "second": 42}
